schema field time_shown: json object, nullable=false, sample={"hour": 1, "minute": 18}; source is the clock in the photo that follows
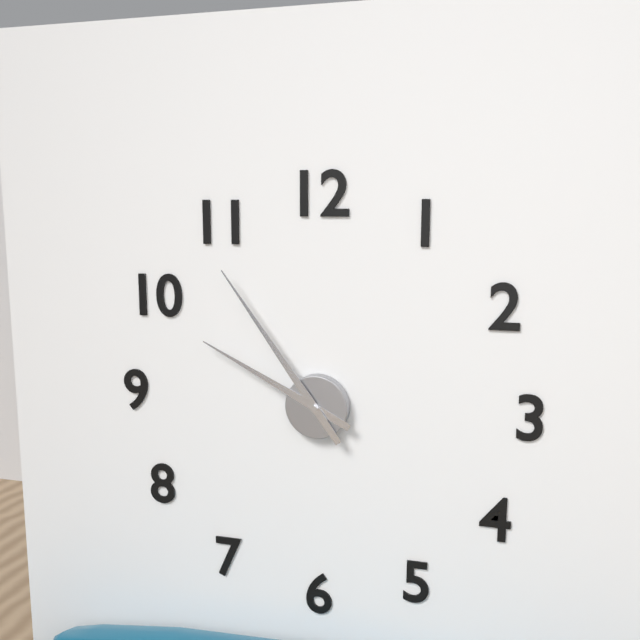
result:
{"hour": 9, "minute": 54}
